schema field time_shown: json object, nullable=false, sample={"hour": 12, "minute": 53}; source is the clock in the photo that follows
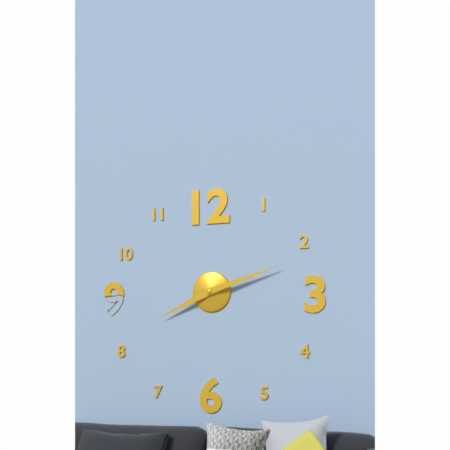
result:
{"hour": 8, "minute": 12}
